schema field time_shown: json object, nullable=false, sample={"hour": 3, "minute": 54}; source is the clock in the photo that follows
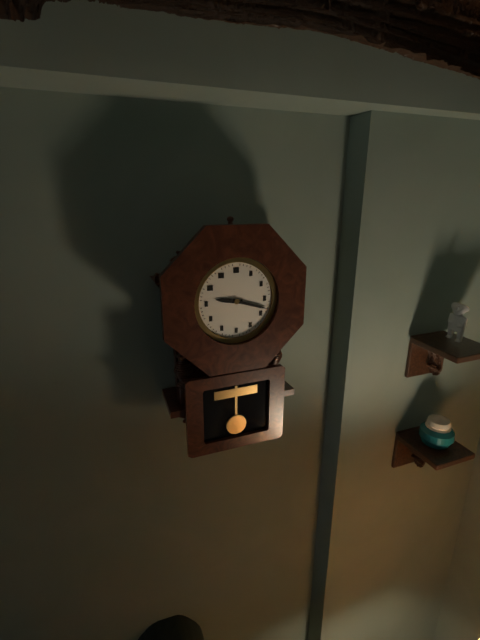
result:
{"hour": 9, "minute": 18}
